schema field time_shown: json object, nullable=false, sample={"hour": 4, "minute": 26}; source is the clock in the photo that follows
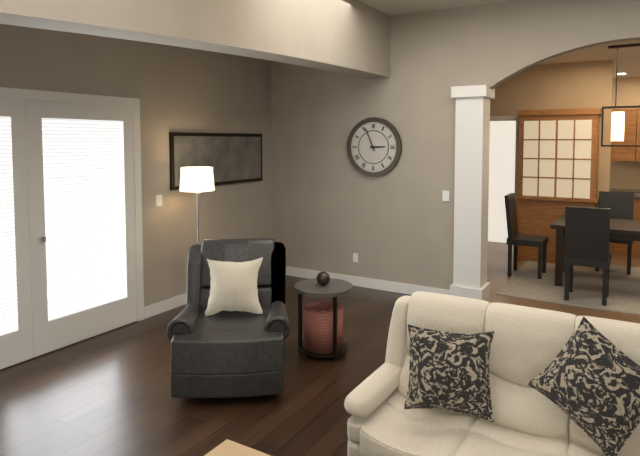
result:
{"hour": 2, "minute": 56}
